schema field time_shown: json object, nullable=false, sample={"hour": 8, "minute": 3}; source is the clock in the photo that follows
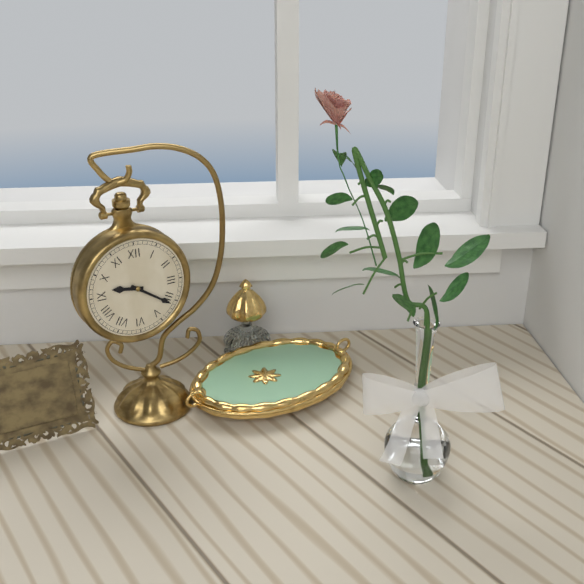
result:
{"hour": 9, "minute": 21}
